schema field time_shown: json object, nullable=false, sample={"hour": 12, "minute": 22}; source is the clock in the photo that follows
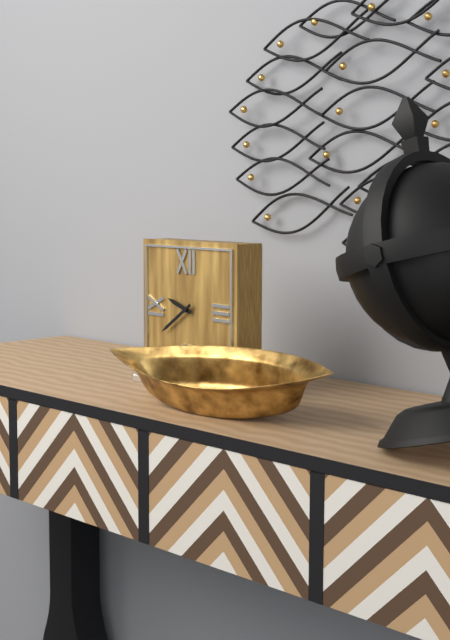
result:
{"hour": 9, "minute": 39}
